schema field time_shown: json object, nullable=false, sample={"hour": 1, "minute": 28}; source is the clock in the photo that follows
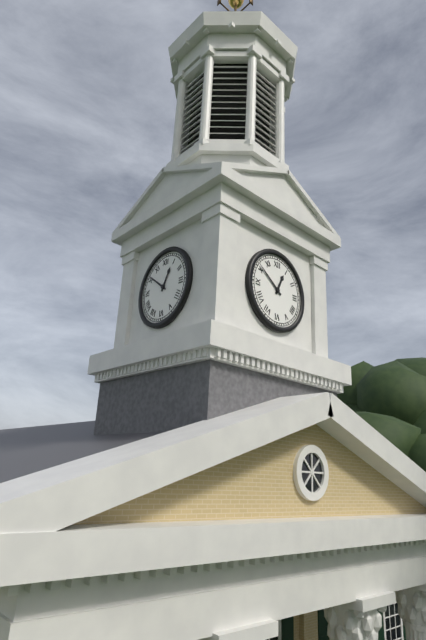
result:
{"hour": 12, "minute": 51}
